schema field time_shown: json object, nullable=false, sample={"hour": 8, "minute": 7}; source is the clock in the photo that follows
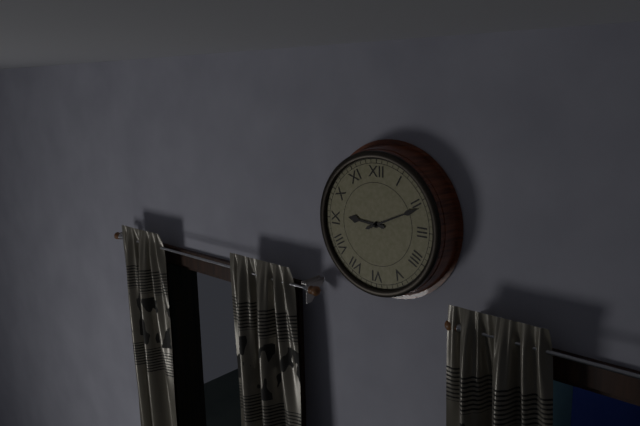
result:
{"hour": 9, "minute": 11}
